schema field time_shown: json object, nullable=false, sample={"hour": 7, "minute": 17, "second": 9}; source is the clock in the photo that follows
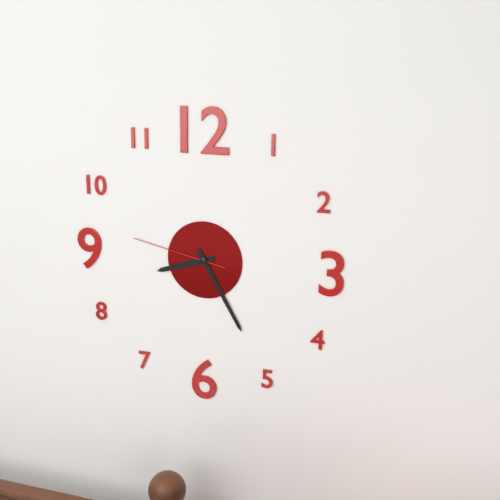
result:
{"hour": 8, "minute": 25, "second": 47}
